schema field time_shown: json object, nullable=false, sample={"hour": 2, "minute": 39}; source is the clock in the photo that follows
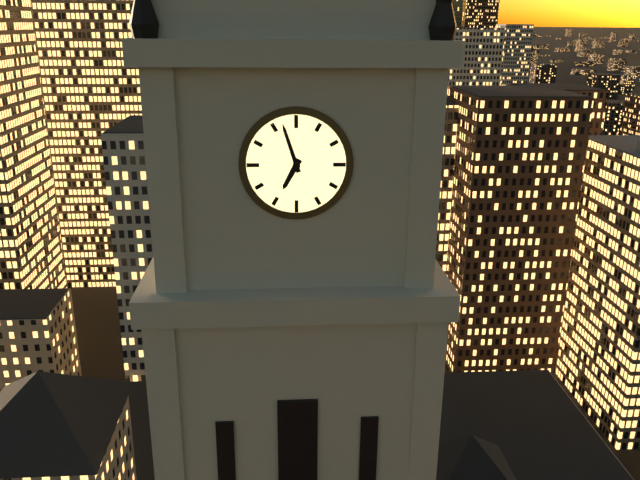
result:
{"hour": 6, "minute": 57}
